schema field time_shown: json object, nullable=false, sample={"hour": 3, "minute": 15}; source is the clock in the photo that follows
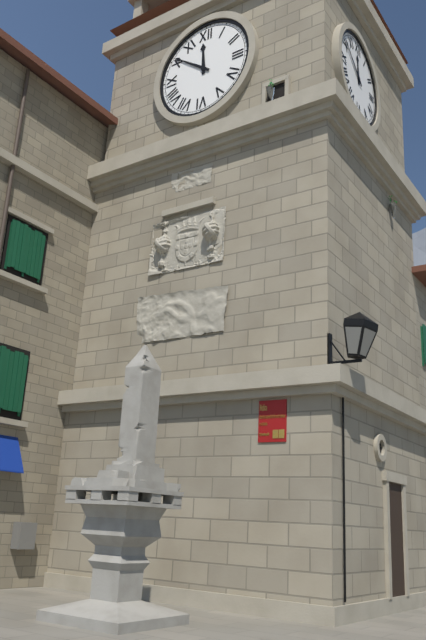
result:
{"hour": 11, "minute": 51}
